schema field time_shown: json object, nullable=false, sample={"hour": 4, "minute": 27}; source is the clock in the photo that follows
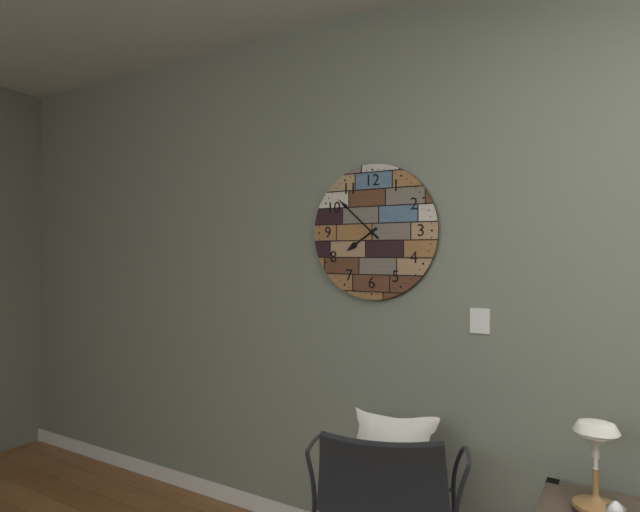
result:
{"hour": 7, "minute": 52}
